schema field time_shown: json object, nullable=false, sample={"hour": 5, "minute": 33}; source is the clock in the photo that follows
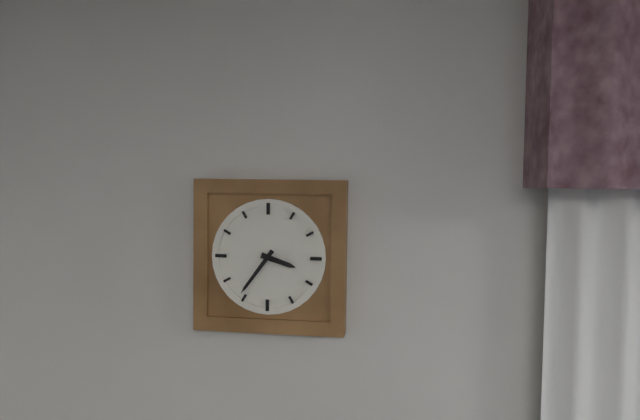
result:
{"hour": 3, "minute": 36}
